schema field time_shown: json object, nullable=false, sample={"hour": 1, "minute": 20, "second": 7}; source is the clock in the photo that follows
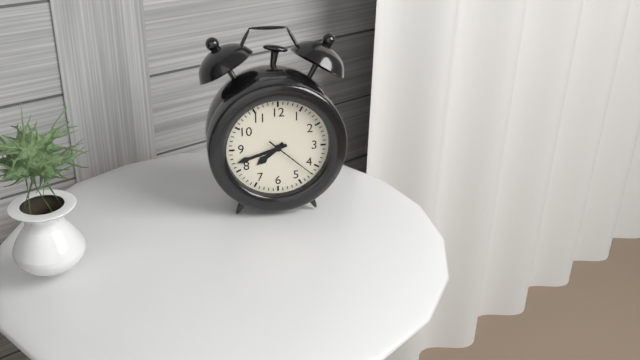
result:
{"hour": 7, "minute": 42, "second": 22}
